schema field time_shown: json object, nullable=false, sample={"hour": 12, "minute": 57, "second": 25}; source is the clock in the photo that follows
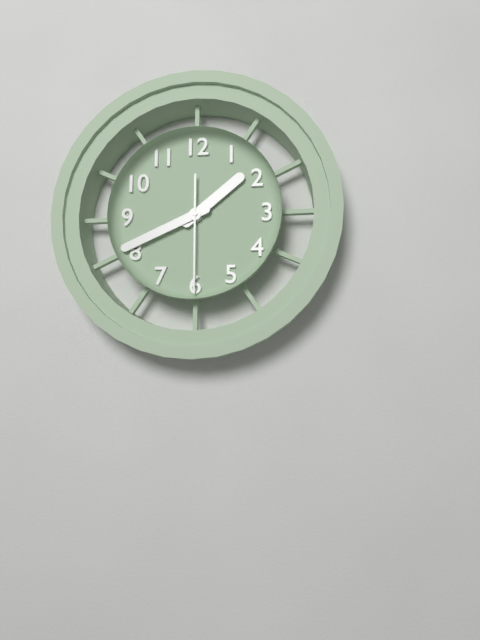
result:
{"hour": 1, "minute": 41, "second": 30}
